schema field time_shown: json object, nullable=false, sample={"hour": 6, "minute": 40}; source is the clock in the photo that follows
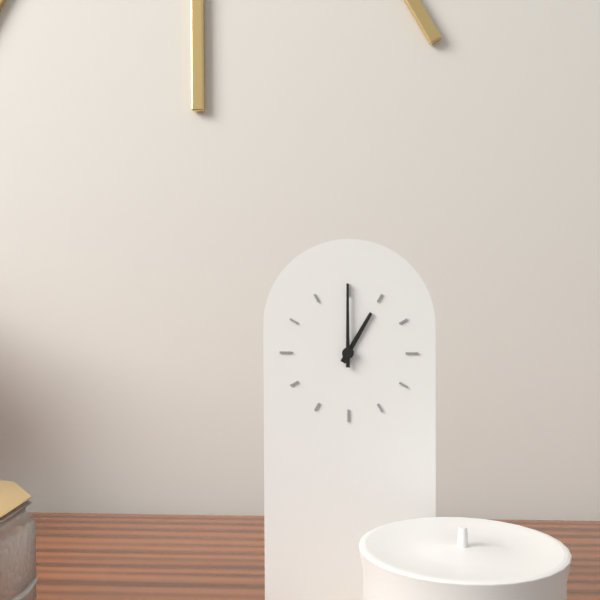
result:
{"hour": 1, "minute": 0}
